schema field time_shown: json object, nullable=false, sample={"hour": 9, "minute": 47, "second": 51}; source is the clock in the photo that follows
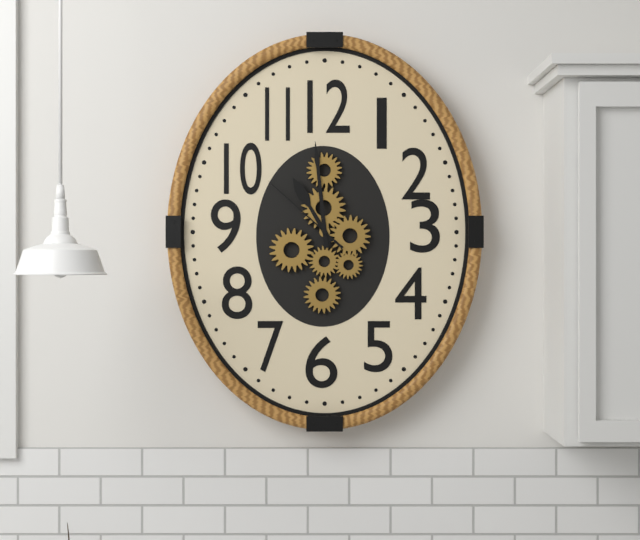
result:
{"hour": 10, "minute": 59, "second": 52}
